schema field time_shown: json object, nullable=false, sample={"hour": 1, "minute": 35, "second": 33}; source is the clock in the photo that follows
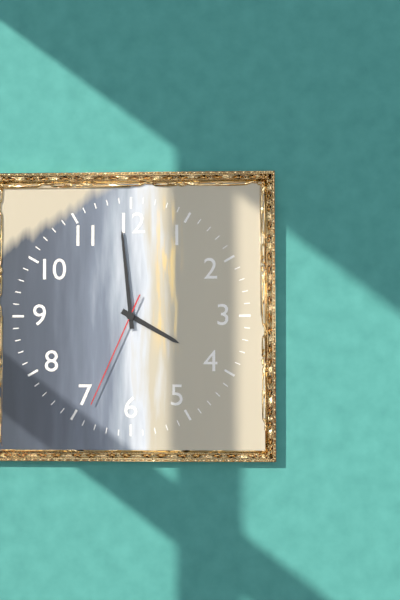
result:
{"hour": 3, "minute": 59, "second": 34}
